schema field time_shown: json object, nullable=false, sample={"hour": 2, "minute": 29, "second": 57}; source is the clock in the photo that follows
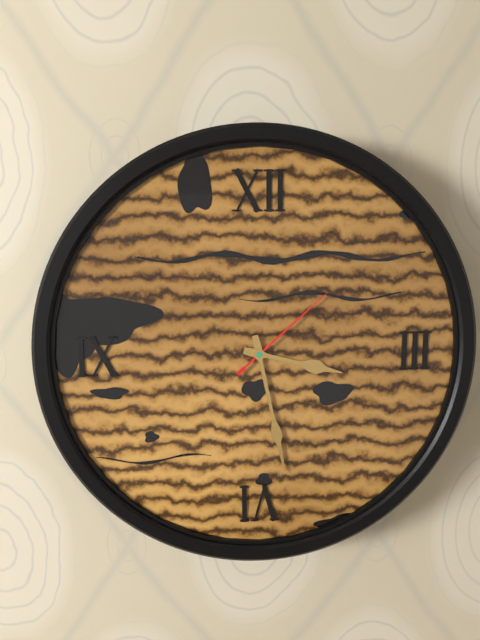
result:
{"hour": 3, "minute": 28, "second": 8}
